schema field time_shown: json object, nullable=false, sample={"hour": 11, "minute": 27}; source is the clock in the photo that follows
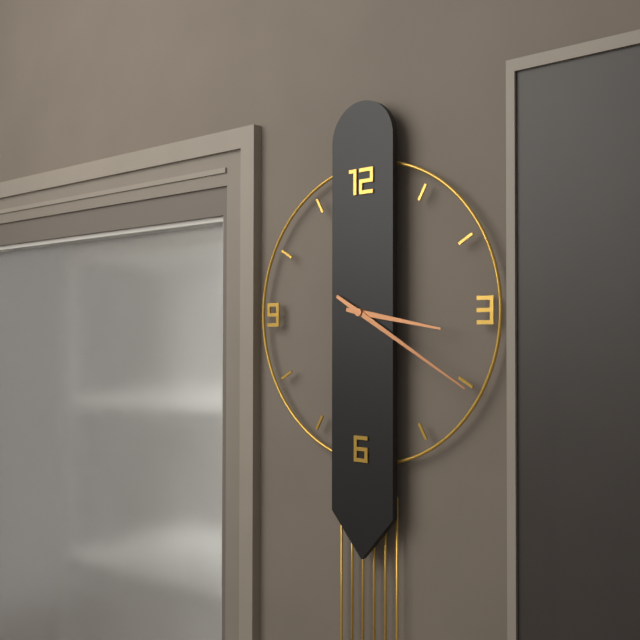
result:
{"hour": 3, "minute": 20}
